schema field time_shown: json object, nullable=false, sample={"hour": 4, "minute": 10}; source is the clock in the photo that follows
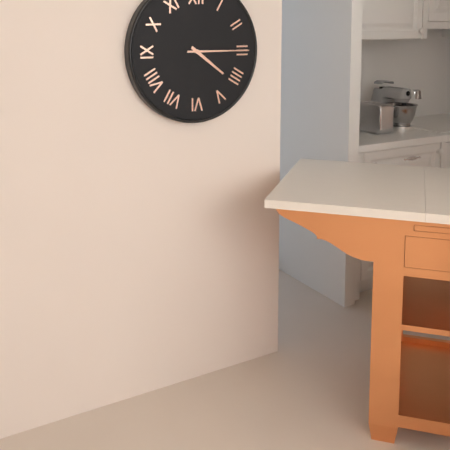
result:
{"hour": 4, "minute": 15}
